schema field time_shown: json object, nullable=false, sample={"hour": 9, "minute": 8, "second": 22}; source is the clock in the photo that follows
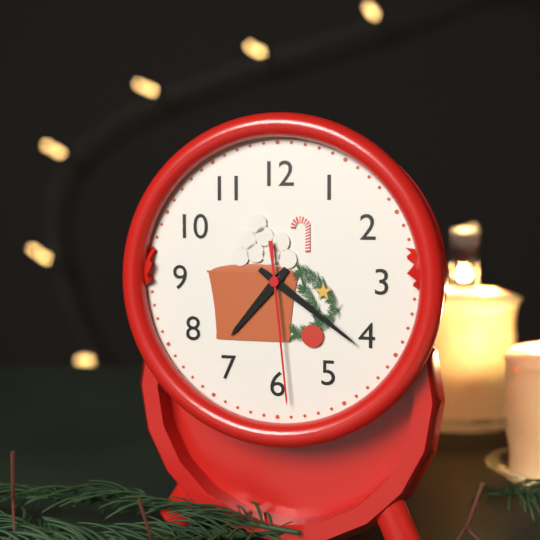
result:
{"hour": 7, "minute": 21, "second": 29}
